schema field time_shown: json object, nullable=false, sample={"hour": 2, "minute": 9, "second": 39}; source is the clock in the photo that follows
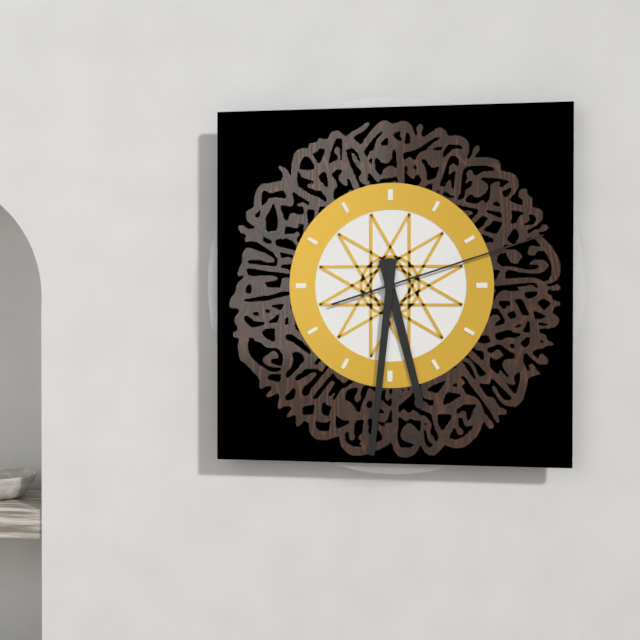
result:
{"hour": 5, "minute": 31, "second": 12}
